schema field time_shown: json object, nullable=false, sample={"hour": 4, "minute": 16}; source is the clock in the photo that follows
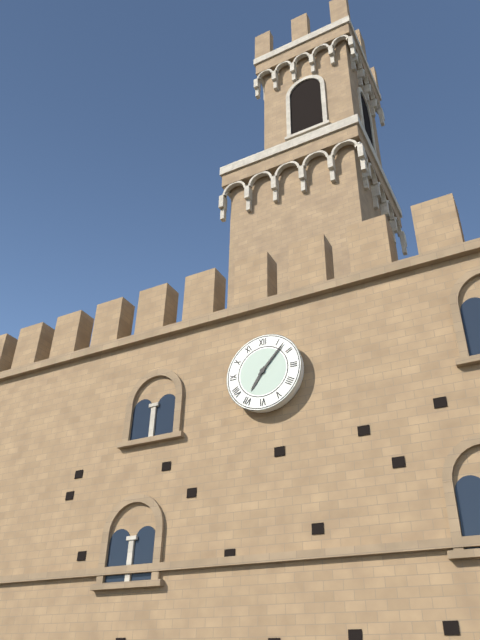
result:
{"hour": 7, "minute": 7}
